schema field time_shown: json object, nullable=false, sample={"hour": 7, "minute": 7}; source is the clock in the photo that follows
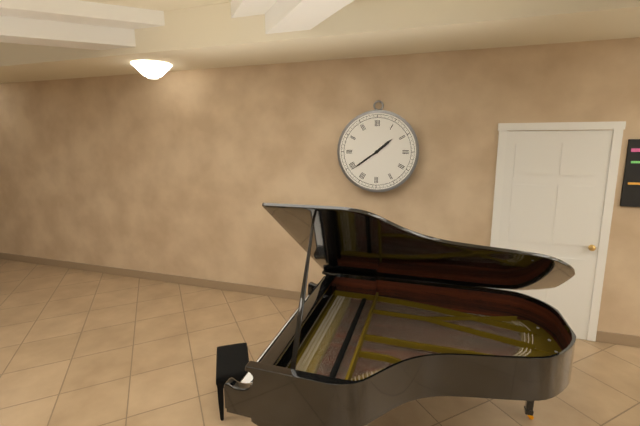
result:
{"hour": 1, "minute": 39}
